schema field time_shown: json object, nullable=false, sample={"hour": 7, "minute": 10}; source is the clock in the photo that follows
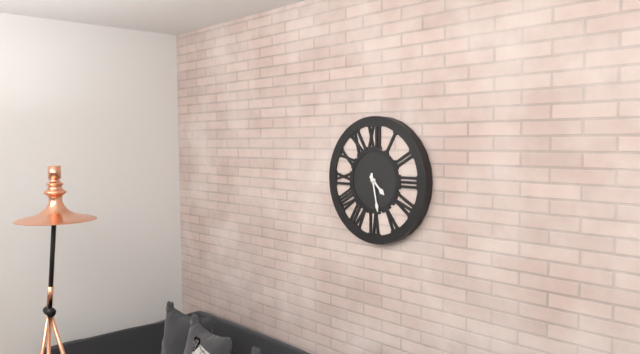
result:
{"hour": 4, "minute": 28}
